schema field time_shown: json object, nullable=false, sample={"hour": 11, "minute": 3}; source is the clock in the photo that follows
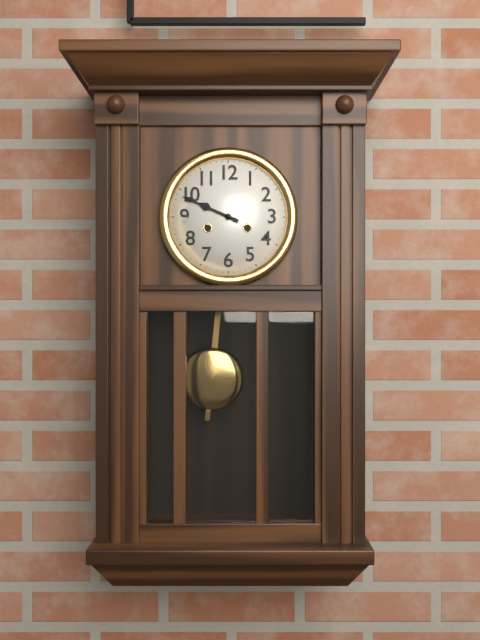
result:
{"hour": 9, "minute": 49}
